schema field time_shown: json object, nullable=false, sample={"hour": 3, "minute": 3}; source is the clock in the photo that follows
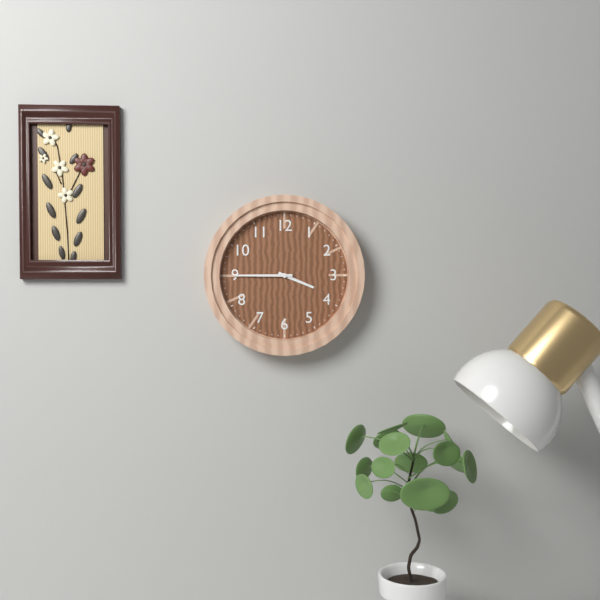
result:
{"hour": 3, "minute": 45}
